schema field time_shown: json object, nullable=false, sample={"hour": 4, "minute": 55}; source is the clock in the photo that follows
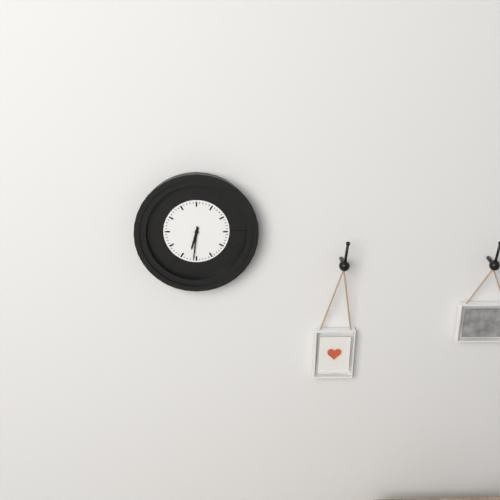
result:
{"hour": 6, "minute": 31}
